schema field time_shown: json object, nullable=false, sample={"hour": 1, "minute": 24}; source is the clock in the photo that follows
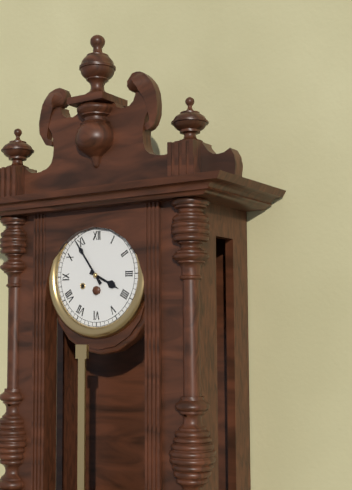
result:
{"hour": 3, "minute": 54}
